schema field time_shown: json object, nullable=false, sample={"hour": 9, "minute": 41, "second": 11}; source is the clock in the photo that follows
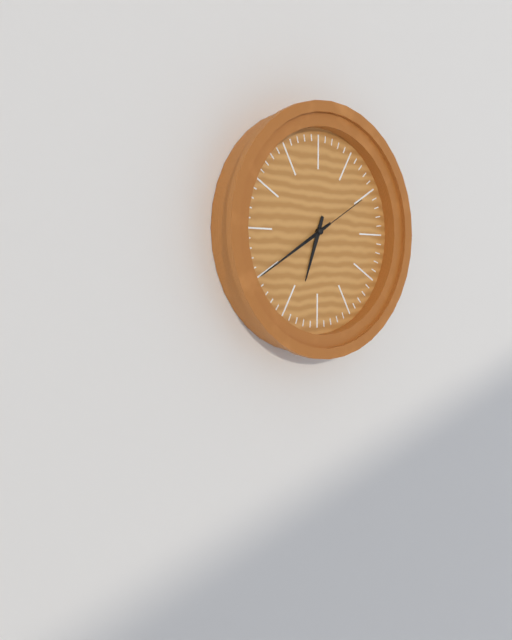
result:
{"hour": 6, "minute": 40, "second": 10}
